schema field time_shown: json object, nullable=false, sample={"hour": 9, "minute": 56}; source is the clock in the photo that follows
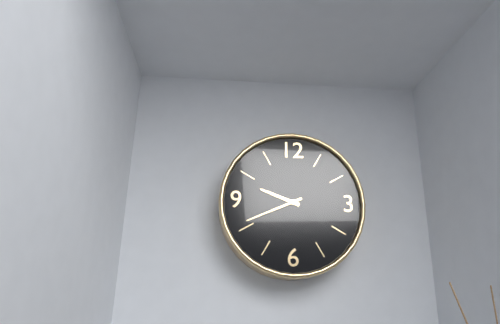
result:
{"hour": 9, "minute": 41}
